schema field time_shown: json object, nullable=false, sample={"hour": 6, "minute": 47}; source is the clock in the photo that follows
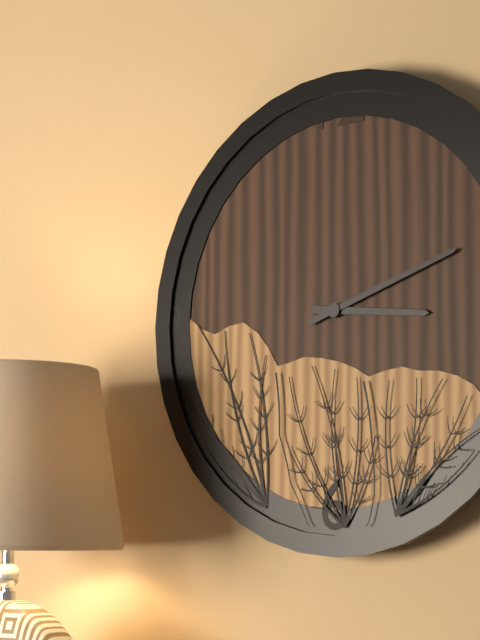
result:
{"hour": 3, "minute": 12}
